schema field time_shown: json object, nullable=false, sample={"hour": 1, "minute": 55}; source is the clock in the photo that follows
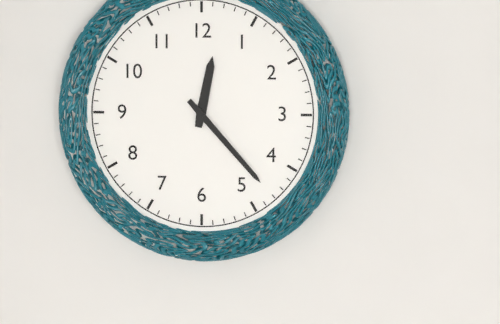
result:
{"hour": 12, "minute": 23}
